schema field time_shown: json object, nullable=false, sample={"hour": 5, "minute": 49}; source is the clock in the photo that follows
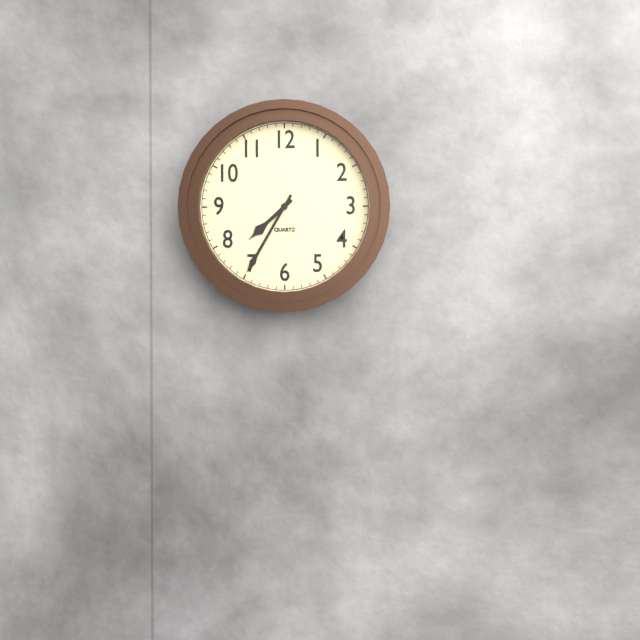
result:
{"hour": 7, "minute": 35}
